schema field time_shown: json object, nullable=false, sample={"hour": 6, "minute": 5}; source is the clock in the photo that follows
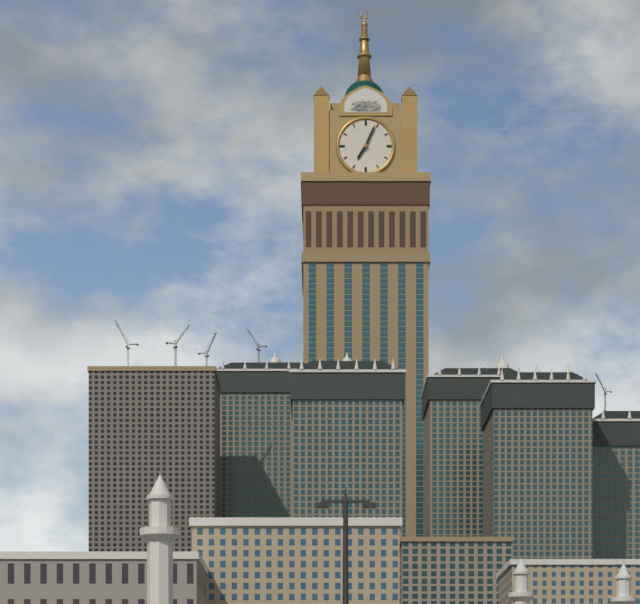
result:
{"hour": 7, "minute": 4}
